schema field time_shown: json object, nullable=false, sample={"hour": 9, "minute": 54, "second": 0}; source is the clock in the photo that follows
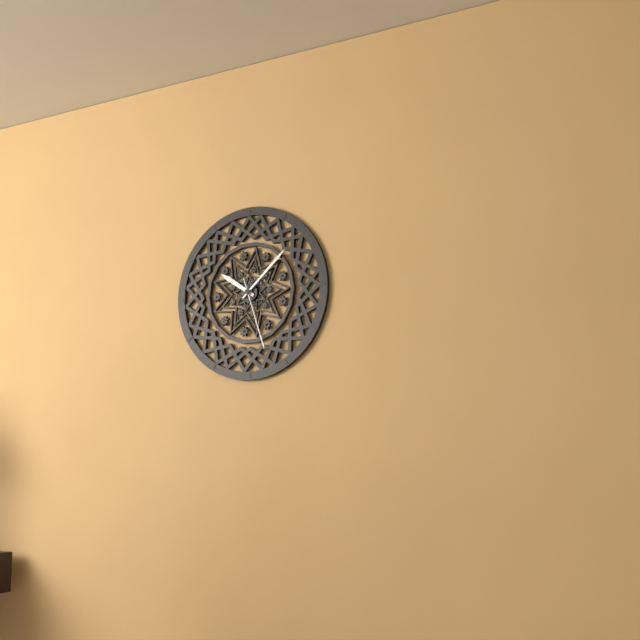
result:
{"hour": 10, "minute": 8, "second": 27}
